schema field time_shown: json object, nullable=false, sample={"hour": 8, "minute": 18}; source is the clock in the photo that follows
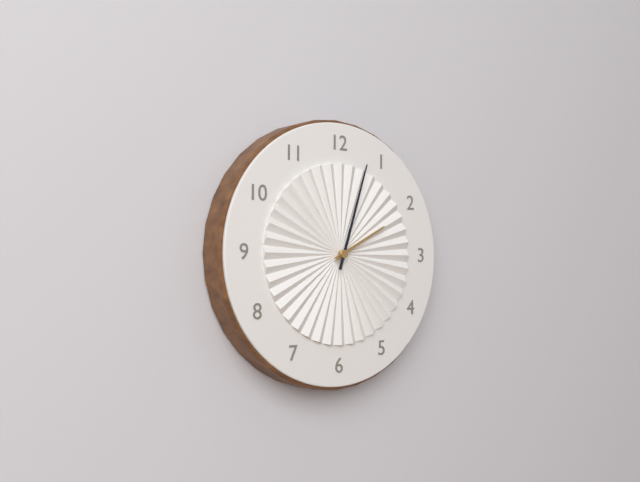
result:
{"hour": 2, "minute": 3}
